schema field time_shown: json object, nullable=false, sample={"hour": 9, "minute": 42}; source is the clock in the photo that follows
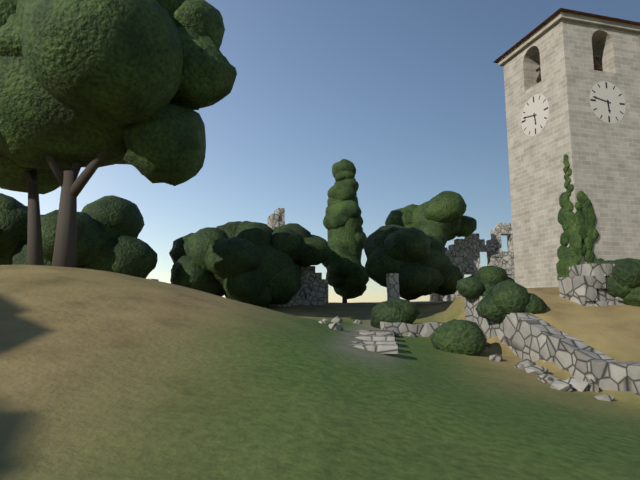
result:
{"hour": 5, "minute": 47}
